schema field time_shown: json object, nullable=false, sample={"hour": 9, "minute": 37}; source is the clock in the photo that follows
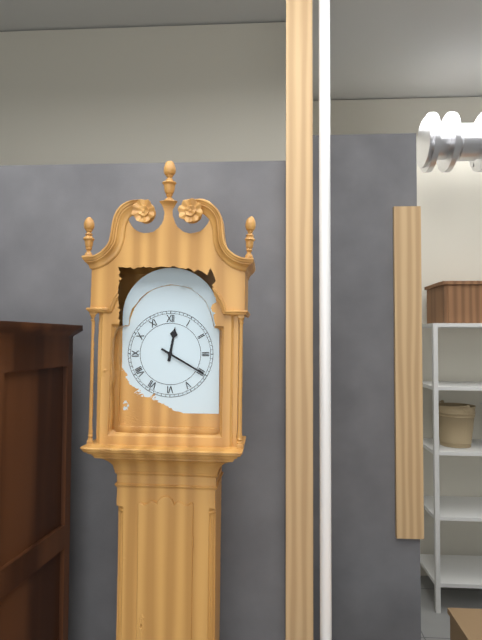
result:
{"hour": 12, "minute": 20}
